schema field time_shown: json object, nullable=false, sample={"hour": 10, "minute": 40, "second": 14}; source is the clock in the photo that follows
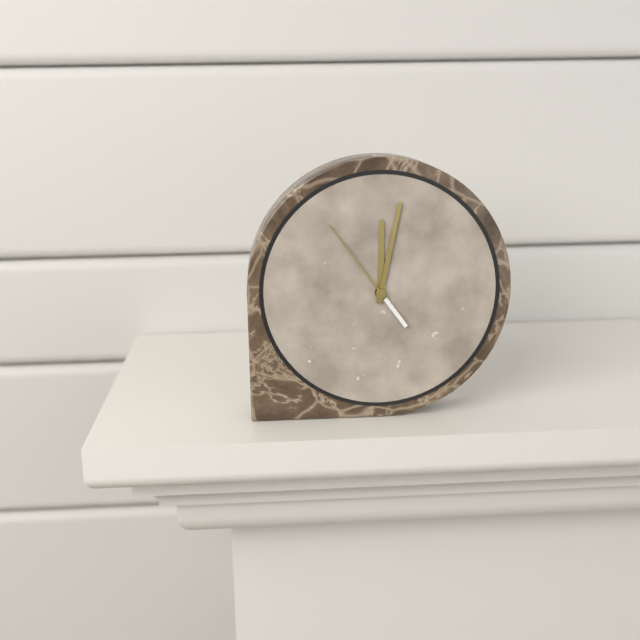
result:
{"hour": 12, "minute": 2, "second": 54}
